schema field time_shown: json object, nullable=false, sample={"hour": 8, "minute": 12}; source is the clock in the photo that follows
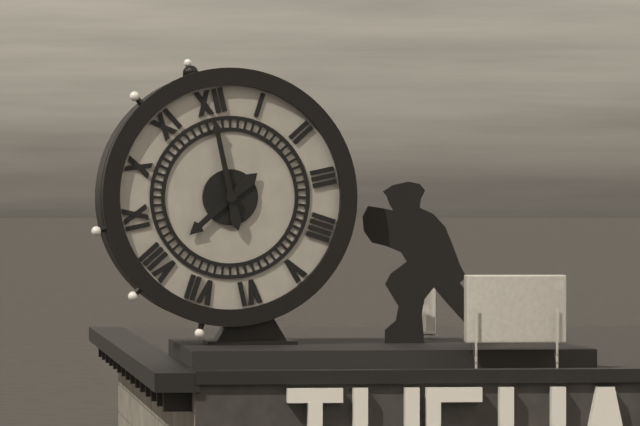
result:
{"hour": 8, "minute": 0}
